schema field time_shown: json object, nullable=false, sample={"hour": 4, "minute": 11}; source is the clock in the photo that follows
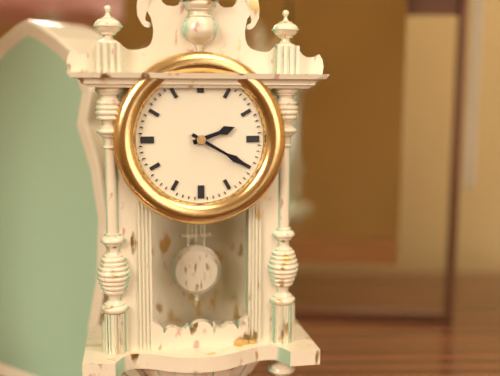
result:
{"hour": 2, "minute": 20}
